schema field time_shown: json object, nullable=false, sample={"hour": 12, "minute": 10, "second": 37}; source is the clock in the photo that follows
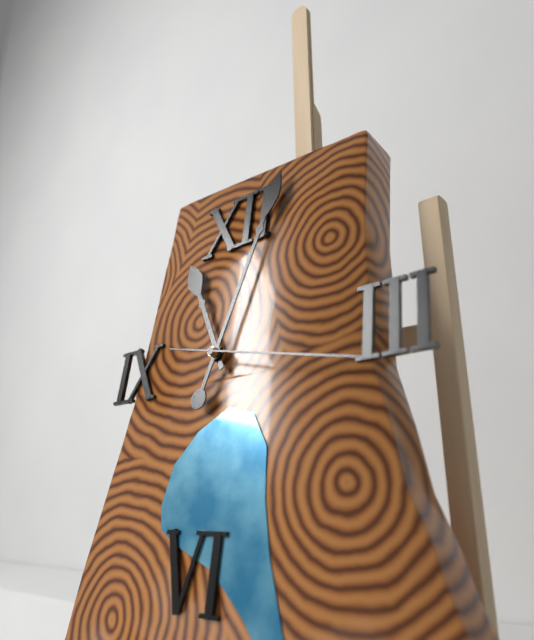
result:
{"hour": 11, "minute": 3, "second": 17}
